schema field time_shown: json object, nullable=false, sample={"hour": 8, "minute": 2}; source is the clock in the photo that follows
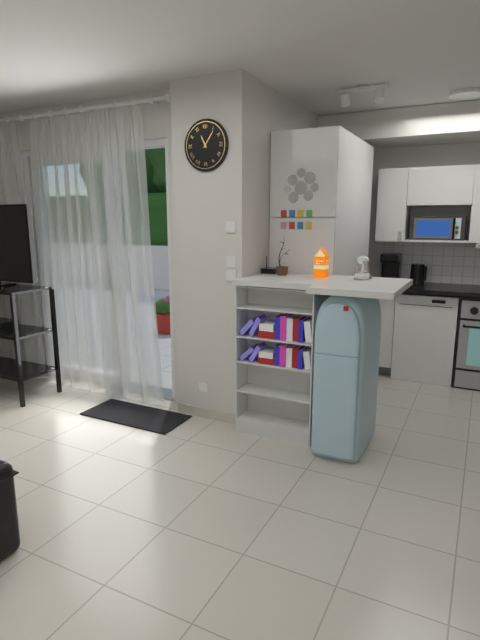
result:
{"hour": 11, "minute": 6}
